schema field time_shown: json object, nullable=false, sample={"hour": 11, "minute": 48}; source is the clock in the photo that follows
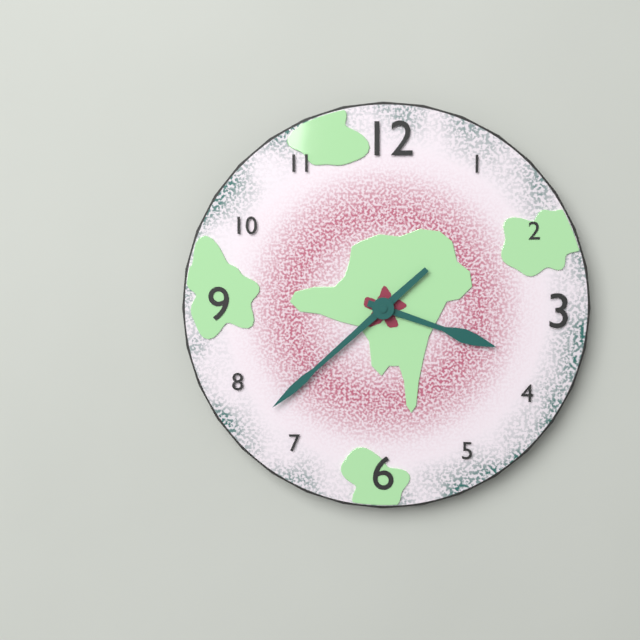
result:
{"hour": 3, "minute": 38}
